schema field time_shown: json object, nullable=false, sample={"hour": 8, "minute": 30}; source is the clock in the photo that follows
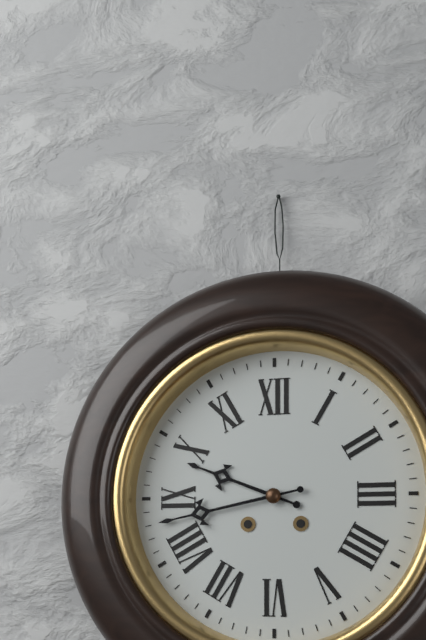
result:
{"hour": 9, "minute": 43}
